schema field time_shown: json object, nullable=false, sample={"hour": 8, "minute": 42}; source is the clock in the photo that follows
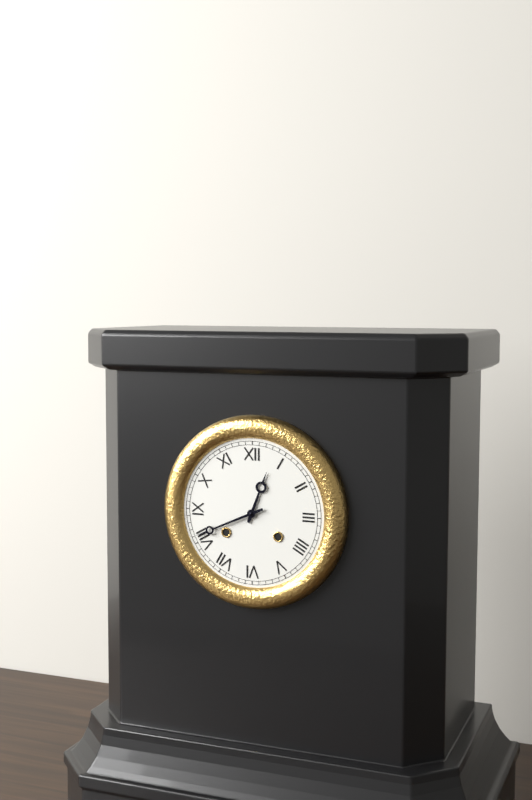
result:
{"hour": 12, "minute": 41}
